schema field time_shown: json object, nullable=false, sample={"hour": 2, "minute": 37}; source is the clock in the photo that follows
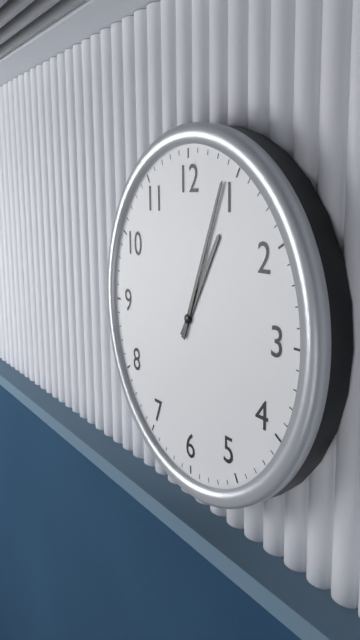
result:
{"hour": 1, "minute": 4}
